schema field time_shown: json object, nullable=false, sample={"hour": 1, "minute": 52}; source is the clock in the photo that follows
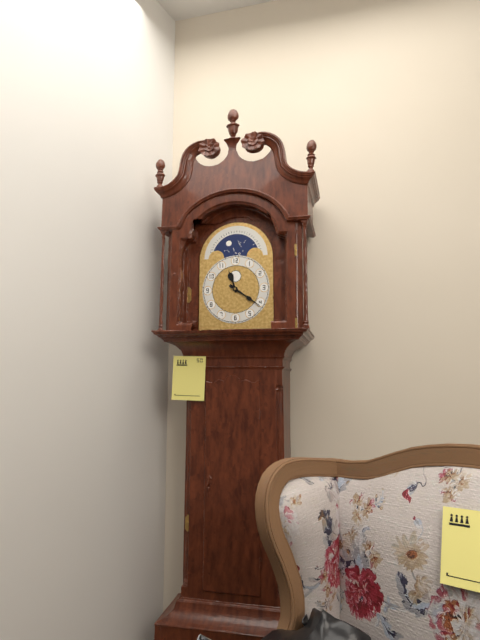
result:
{"hour": 11, "minute": 21}
